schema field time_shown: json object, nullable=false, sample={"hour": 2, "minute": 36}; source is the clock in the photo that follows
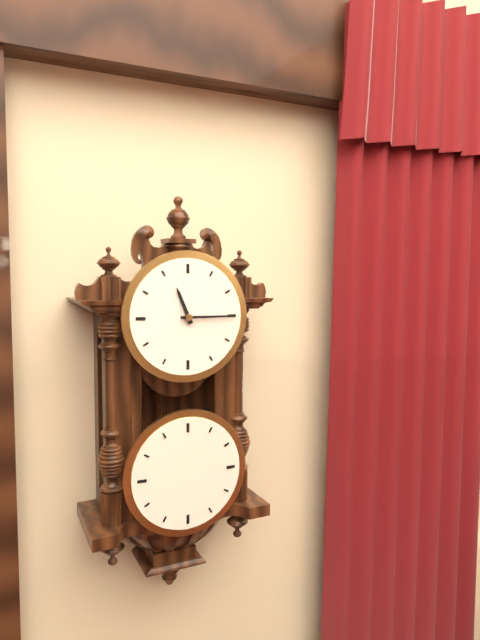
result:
{"hour": 11, "minute": 15}
